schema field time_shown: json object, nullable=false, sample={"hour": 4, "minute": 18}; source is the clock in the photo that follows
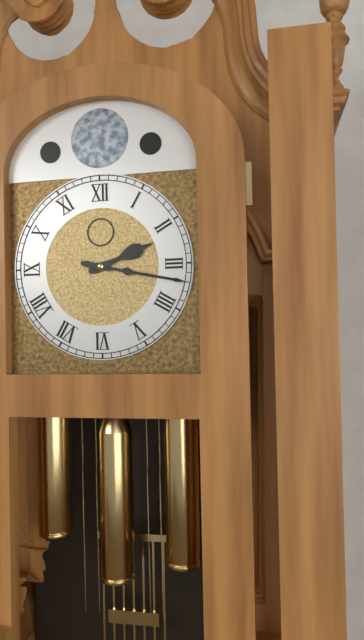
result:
{"hour": 2, "minute": 17}
